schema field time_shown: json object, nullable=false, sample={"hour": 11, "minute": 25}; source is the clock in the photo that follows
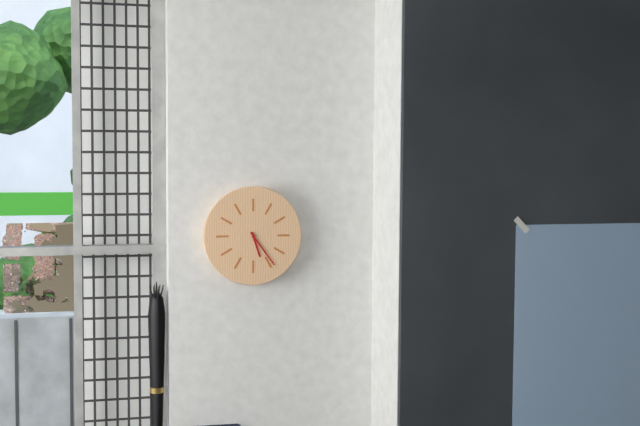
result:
{"hour": 5, "minute": 24}
